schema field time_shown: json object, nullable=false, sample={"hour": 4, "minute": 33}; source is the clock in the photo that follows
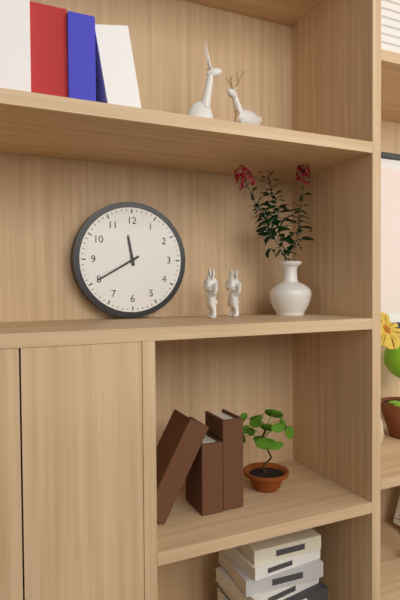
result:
{"hour": 11, "minute": 40}
